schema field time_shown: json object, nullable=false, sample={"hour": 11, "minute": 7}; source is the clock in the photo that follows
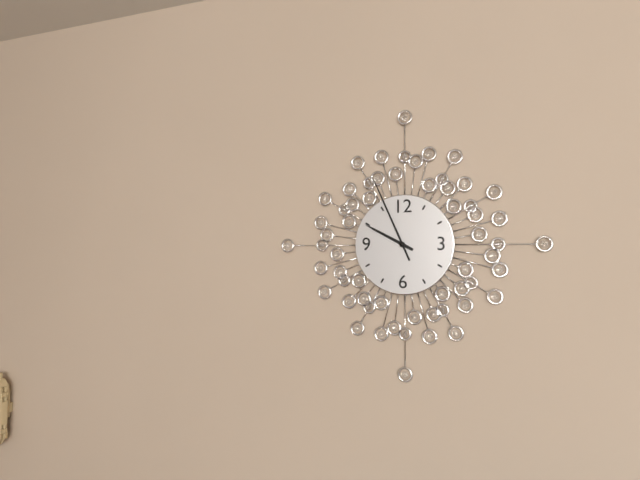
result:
{"hour": 9, "minute": 56}
